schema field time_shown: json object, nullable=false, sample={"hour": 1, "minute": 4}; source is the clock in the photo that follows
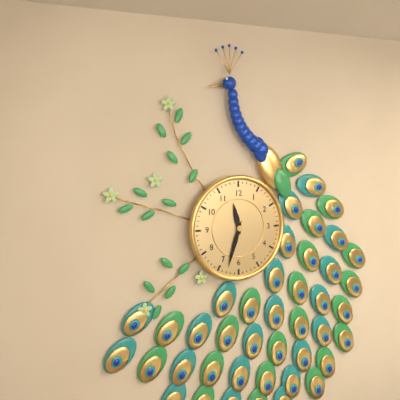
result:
{"hour": 11, "minute": 33}
